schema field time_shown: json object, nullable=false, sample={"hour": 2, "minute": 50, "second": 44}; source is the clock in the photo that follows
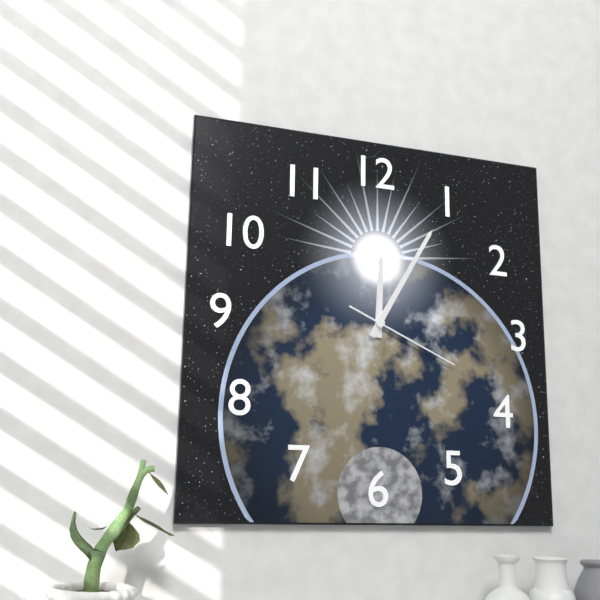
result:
{"hour": 12, "minute": 5, "second": 19}
